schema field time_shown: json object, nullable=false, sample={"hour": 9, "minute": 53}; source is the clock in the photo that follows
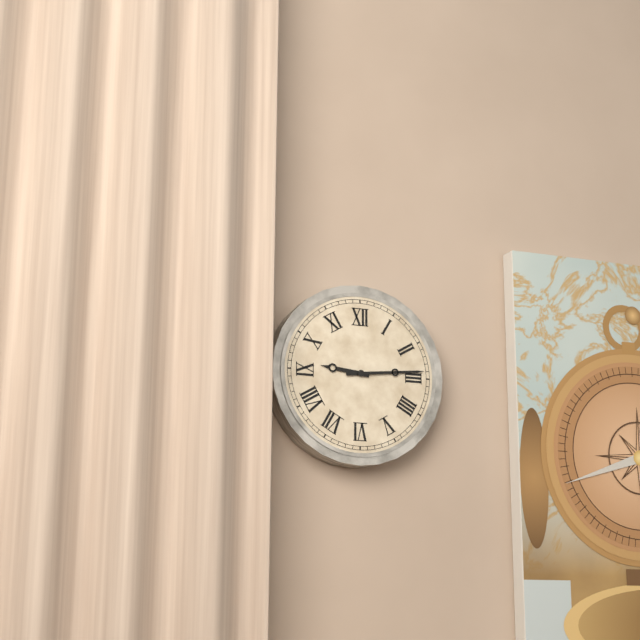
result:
{"hour": 9, "minute": 14}
